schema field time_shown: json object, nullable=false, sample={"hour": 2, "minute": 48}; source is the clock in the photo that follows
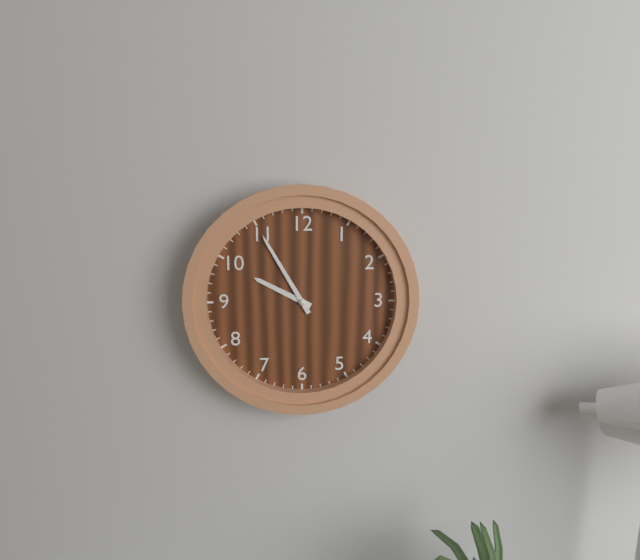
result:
{"hour": 9, "minute": 55}
